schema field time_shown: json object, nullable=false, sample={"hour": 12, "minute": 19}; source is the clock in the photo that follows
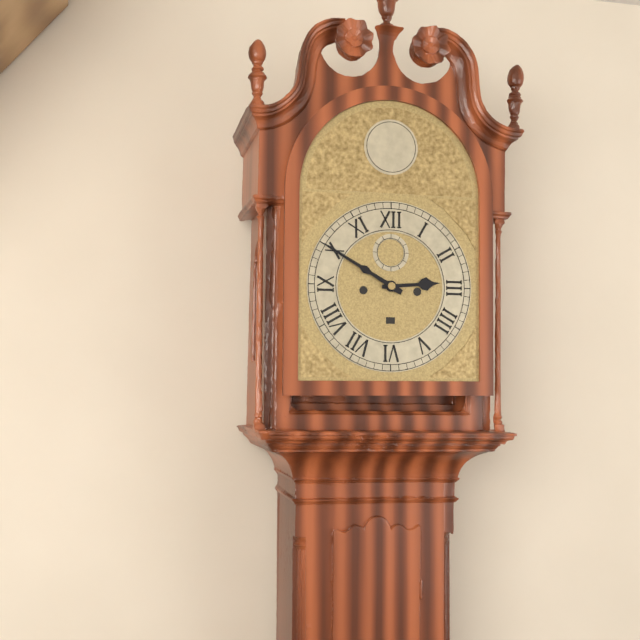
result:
{"hour": 2, "minute": 50}
